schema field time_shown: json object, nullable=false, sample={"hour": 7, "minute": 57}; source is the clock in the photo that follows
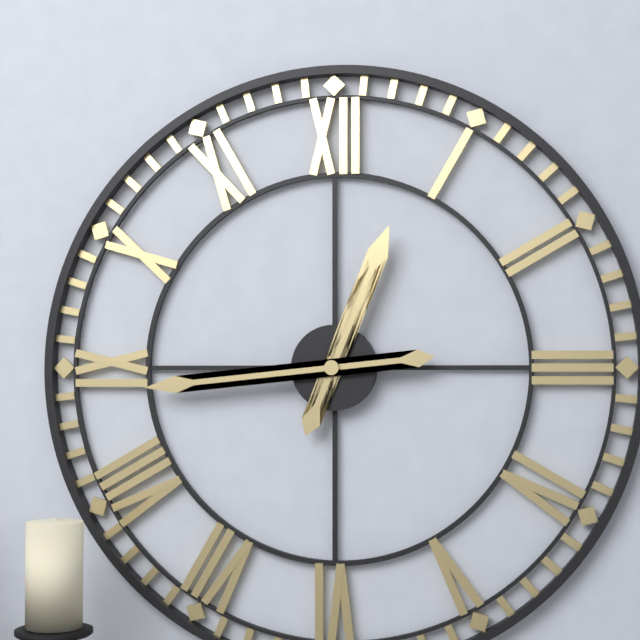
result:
{"hour": 12, "minute": 44}
